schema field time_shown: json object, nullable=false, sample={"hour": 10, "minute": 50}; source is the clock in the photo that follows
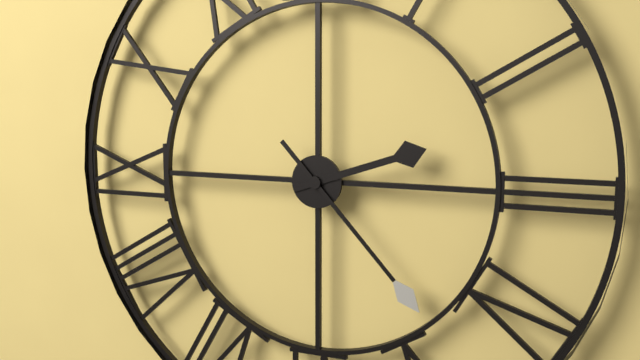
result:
{"hour": 2, "minute": 23}
